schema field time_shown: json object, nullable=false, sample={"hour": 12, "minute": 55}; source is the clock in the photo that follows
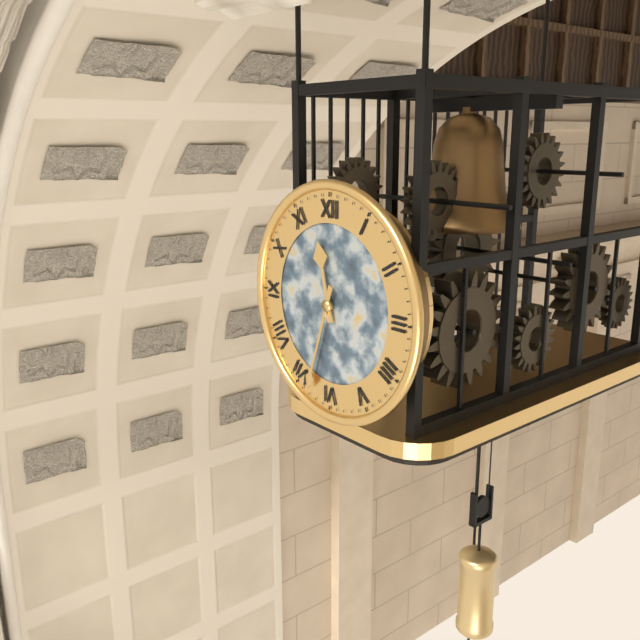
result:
{"hour": 11, "minute": 33}
